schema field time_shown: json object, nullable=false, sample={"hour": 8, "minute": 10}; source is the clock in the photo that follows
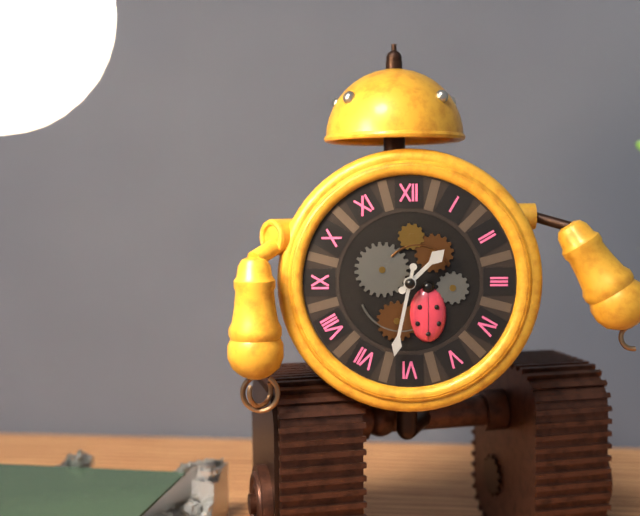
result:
{"hour": 1, "minute": 32}
